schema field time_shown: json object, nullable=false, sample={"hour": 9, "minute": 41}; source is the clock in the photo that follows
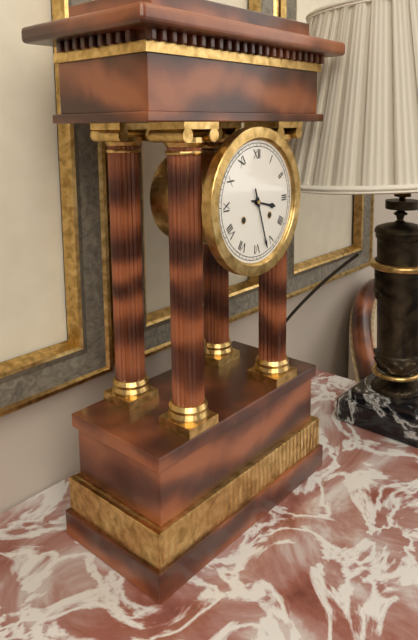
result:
{"hour": 3, "minute": 27}
